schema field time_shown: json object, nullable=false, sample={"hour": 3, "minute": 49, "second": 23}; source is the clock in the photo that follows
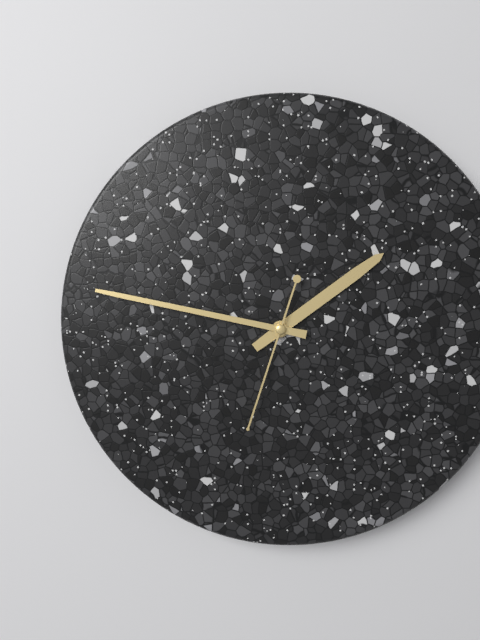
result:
{"hour": 1, "minute": 47, "second": 33}
